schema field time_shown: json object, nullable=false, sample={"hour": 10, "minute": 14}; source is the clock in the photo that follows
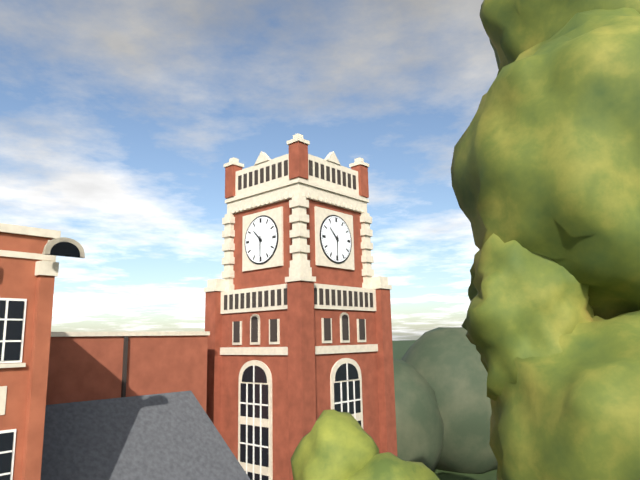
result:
{"hour": 10, "minute": 30}
